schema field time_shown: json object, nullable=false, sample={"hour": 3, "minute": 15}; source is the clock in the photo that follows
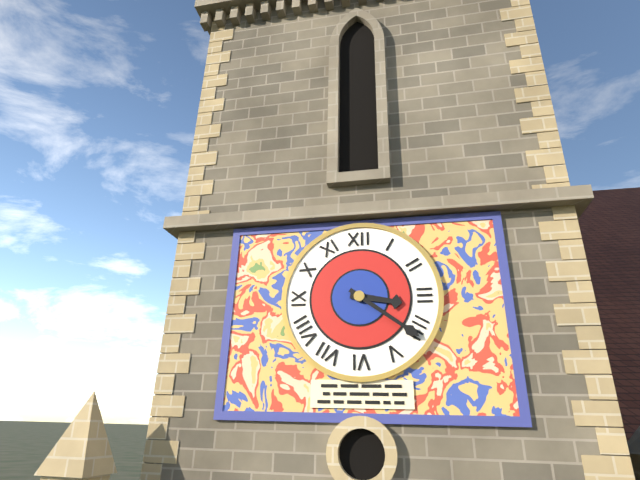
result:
{"hour": 3, "minute": 21}
